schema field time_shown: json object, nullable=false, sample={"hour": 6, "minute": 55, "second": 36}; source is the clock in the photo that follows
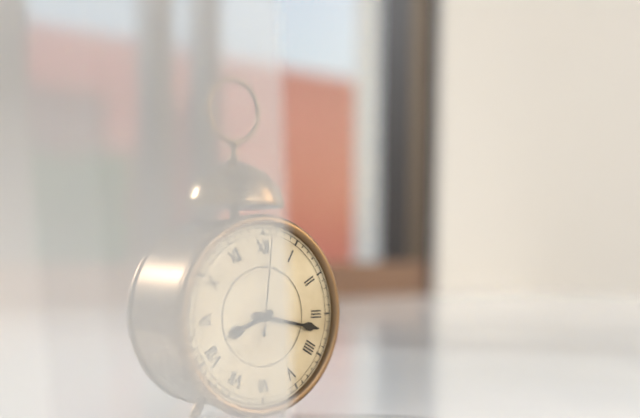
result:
{"hour": 8, "minute": 17, "second": 1}
